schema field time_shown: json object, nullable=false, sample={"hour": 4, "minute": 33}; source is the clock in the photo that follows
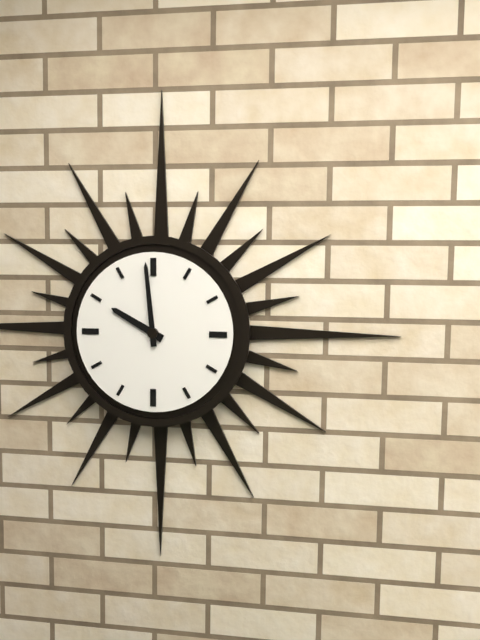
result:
{"hour": 9, "minute": 59}
